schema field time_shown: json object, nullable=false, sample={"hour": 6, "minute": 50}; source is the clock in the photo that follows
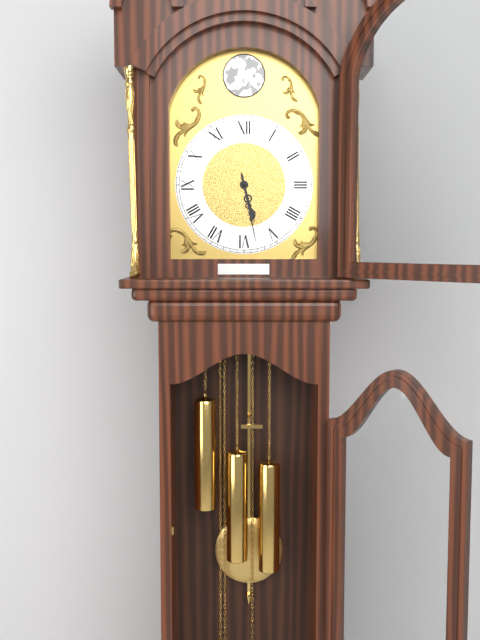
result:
{"hour": 5, "minute": 28}
